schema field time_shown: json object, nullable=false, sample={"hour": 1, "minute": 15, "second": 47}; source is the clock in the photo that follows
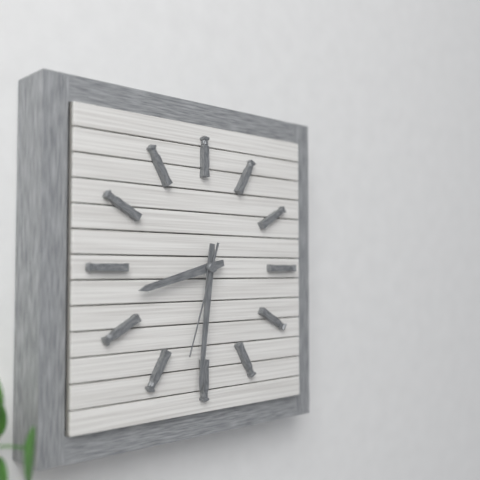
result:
{"hour": 8, "minute": 31, "second": 33}
